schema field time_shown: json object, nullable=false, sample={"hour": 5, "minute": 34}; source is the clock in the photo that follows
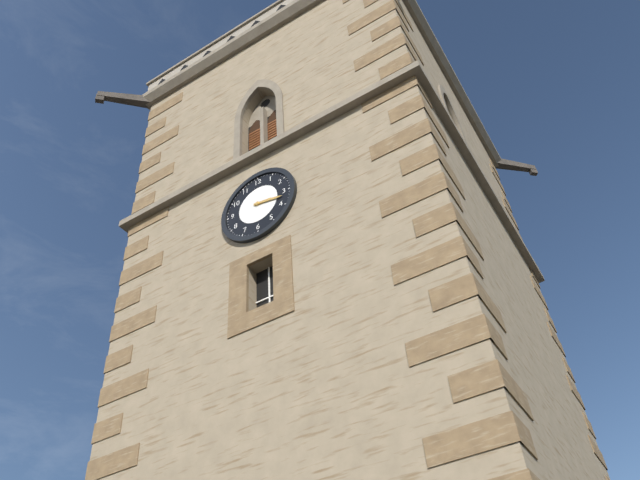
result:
{"hour": 3, "minute": 17}
